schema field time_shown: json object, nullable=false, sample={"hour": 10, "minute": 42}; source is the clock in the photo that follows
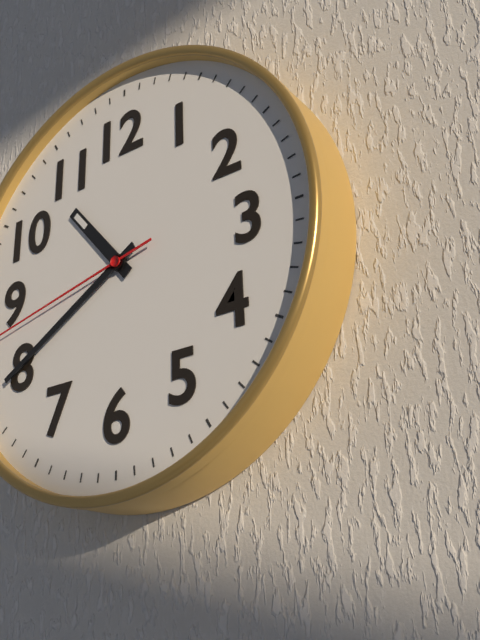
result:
{"hour": 10, "minute": 40}
